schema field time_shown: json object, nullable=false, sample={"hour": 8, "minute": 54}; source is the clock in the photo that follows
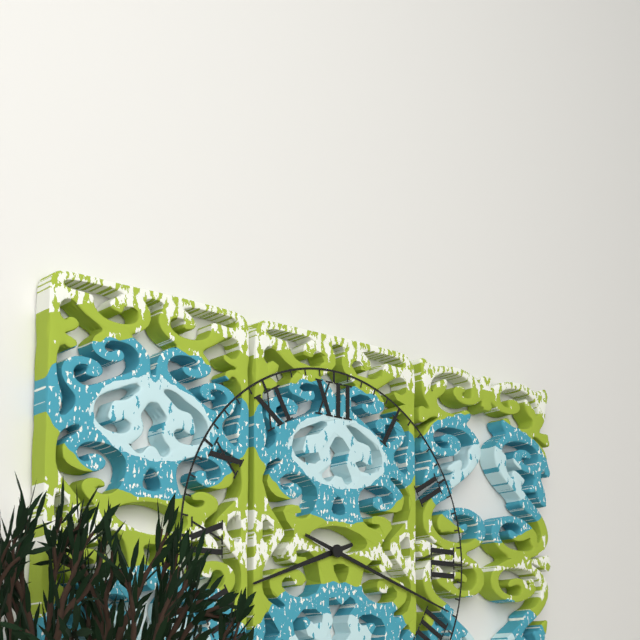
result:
{"hour": 8, "minute": 18}
